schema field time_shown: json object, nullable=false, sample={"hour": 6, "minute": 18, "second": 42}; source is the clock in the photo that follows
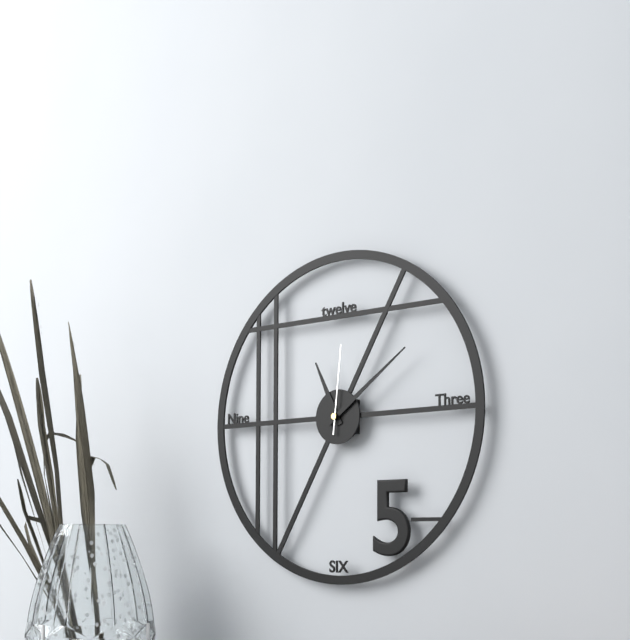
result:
{"hour": 11, "minute": 9, "second": 1}
